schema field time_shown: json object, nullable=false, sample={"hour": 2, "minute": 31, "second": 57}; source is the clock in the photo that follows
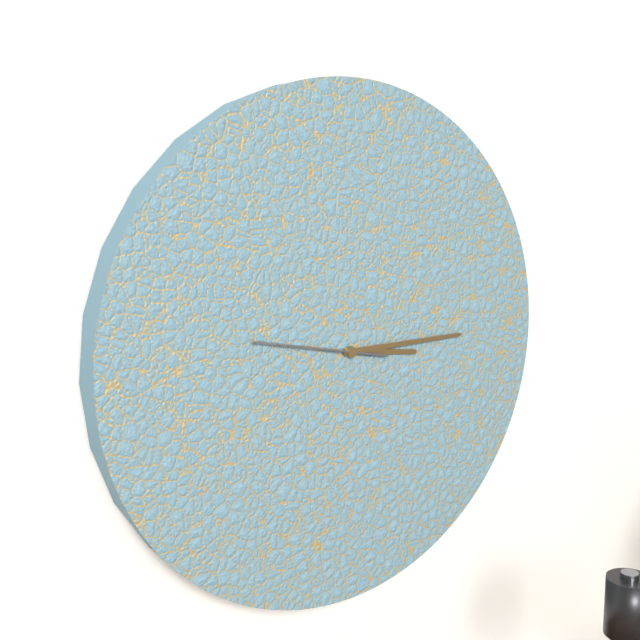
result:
{"hour": 3, "minute": 15, "second": 47}
